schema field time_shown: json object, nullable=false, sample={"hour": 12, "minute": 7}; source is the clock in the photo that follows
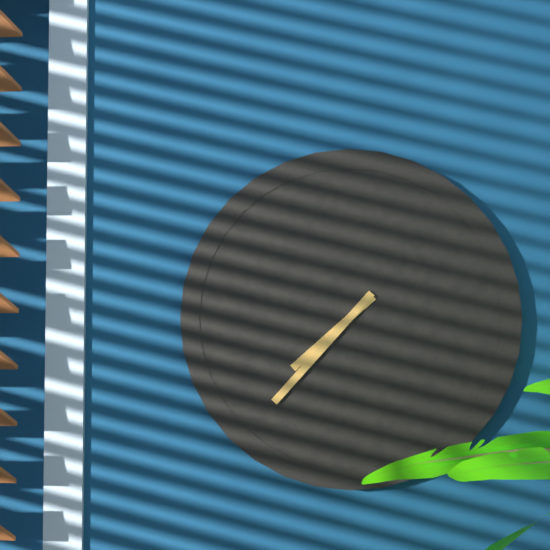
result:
{"hour": 7, "minute": 37}
